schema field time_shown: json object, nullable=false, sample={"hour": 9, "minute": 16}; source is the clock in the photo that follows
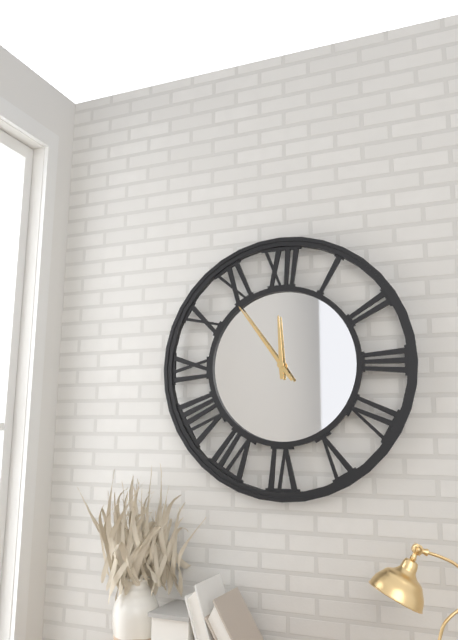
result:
{"hour": 11, "minute": 54}
